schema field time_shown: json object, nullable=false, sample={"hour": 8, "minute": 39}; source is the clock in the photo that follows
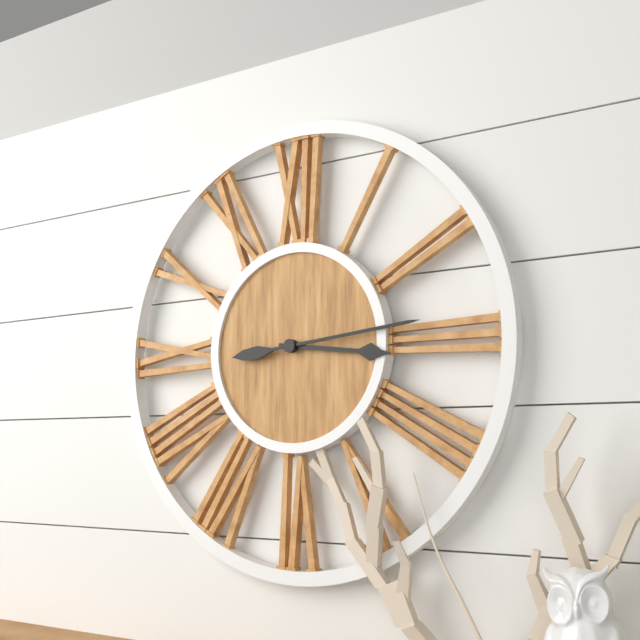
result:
{"hour": 3, "minute": 14}
